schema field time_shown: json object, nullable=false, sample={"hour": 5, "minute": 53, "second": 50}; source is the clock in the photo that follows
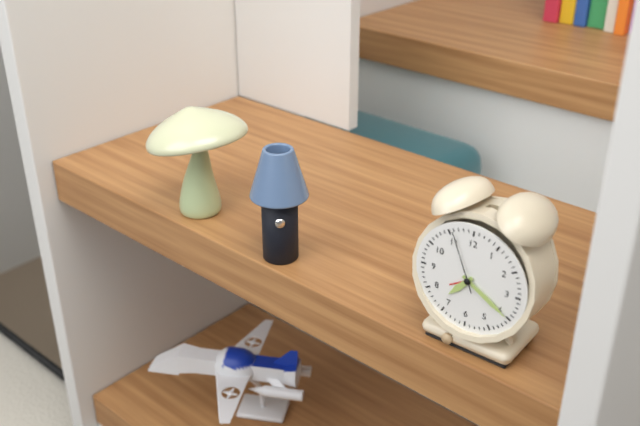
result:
{"hour": 7, "minute": 20, "second": 56}
